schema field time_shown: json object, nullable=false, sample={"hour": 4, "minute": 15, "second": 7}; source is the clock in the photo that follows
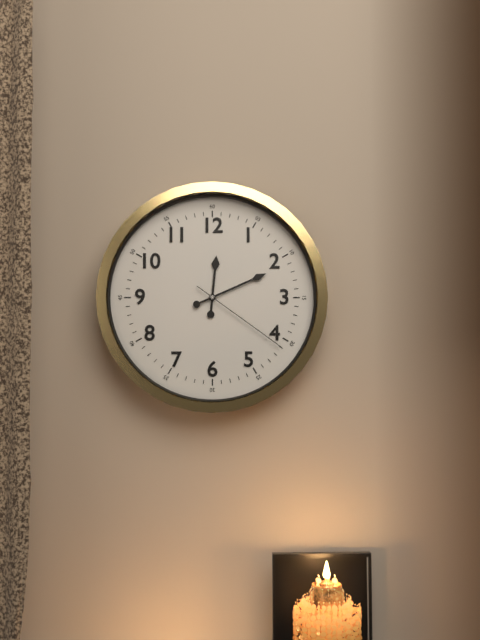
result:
{"hour": 12, "minute": 11, "second": 21}
